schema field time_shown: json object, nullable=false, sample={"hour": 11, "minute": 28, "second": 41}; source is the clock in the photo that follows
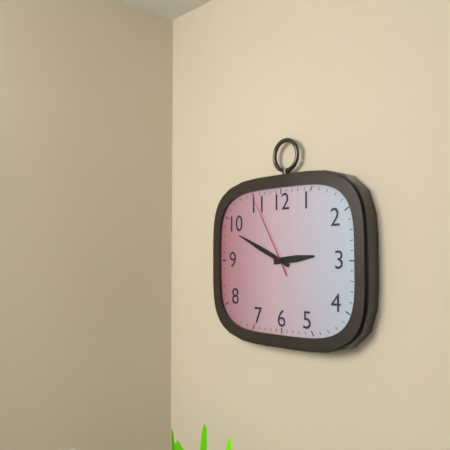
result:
{"hour": 2, "minute": 49, "second": 55}
